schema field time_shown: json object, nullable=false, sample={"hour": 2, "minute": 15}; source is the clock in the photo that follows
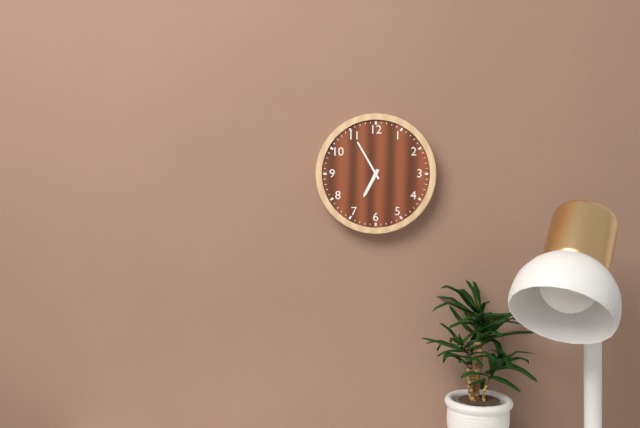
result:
{"hour": 6, "minute": 55}
